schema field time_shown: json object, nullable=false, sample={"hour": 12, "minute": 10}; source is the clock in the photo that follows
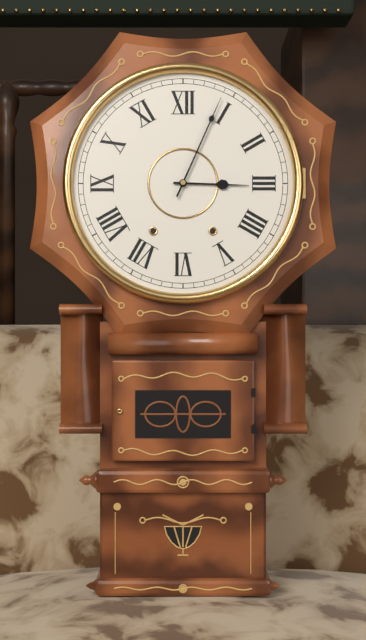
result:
{"hour": 3, "minute": 4}
